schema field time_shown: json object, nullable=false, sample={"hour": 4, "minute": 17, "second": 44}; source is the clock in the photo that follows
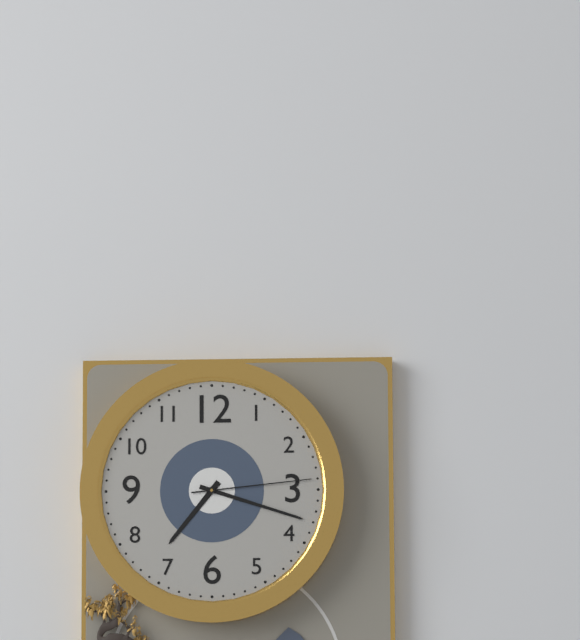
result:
{"hour": 7, "minute": 18, "second": 14}
